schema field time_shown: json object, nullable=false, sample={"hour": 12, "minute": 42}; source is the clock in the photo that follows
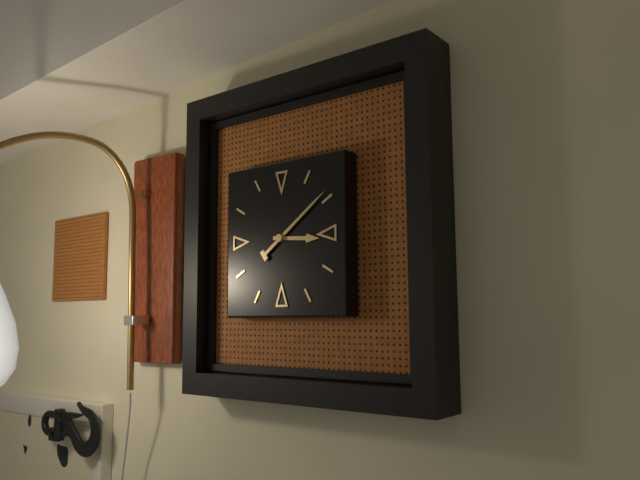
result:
{"hour": 3, "minute": 9}
